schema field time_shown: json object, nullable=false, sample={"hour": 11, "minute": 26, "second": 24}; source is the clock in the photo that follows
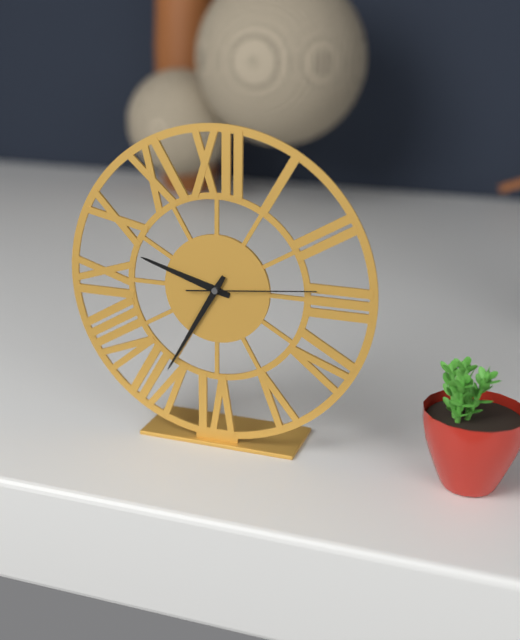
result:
{"hour": 9, "minute": 35, "second": 14}
